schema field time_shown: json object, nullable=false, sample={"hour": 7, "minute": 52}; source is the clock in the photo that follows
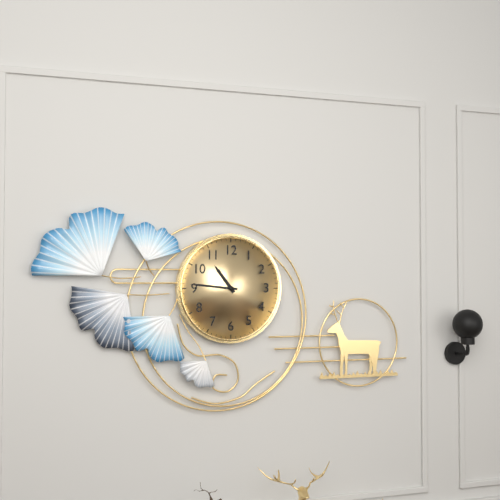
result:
{"hour": 10, "minute": 46}
